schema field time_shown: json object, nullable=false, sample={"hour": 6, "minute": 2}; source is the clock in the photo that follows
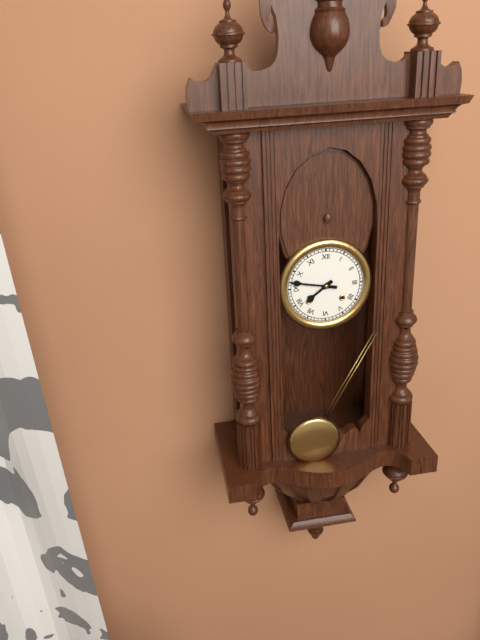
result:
{"hour": 7, "minute": 47}
